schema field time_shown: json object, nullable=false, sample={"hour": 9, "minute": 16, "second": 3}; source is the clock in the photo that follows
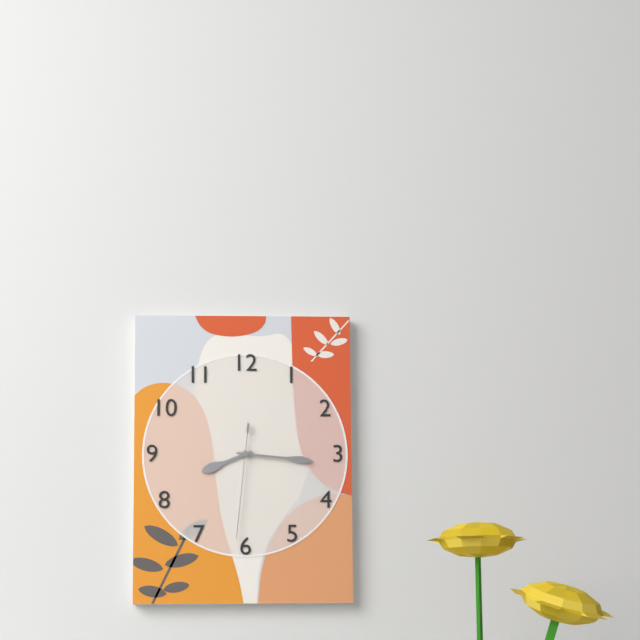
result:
{"hour": 8, "minute": 16, "second": 31}
